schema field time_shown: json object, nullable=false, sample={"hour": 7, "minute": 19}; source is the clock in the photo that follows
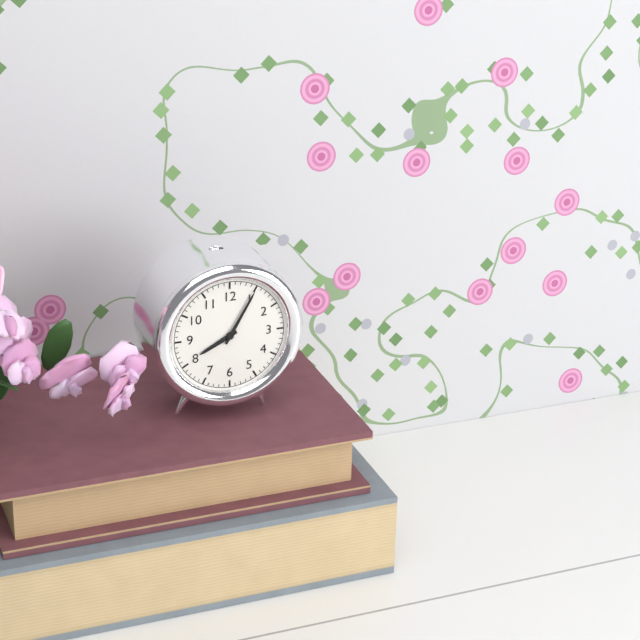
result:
{"hour": 8, "minute": 5}
